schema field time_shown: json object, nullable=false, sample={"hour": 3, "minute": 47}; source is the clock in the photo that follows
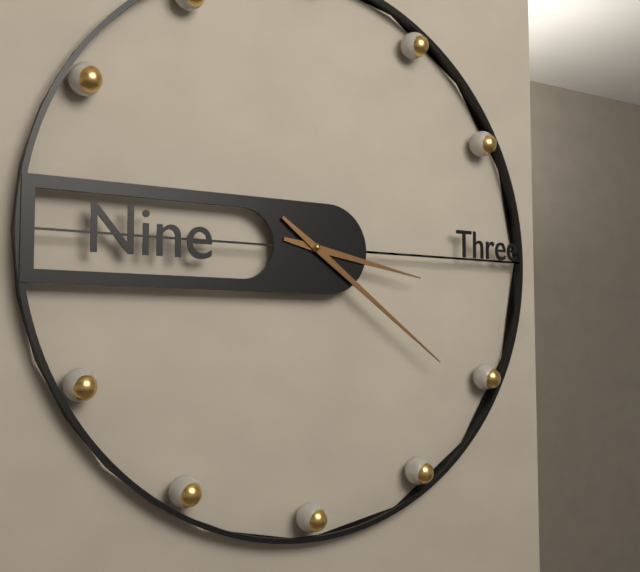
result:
{"hour": 3, "minute": 21}
